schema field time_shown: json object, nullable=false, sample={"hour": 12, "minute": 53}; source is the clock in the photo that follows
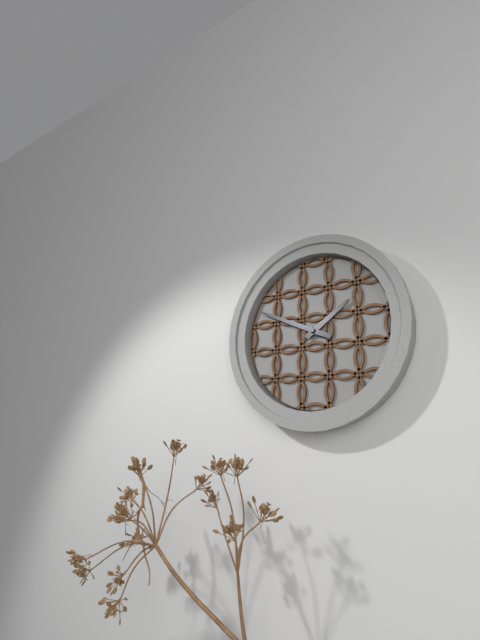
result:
{"hour": 1, "minute": 49}
